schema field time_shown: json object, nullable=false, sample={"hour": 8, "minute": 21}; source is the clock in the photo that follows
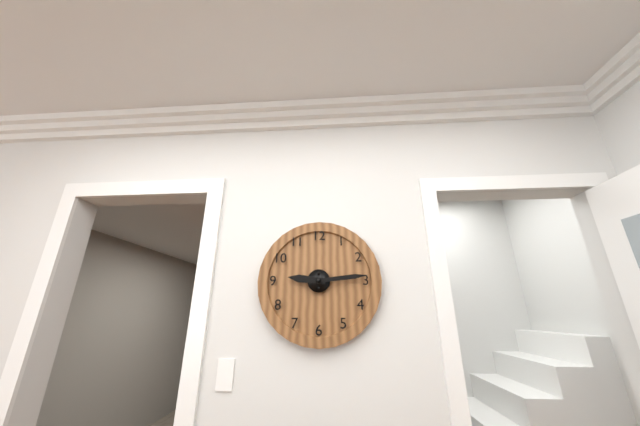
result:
{"hour": 9, "minute": 14}
